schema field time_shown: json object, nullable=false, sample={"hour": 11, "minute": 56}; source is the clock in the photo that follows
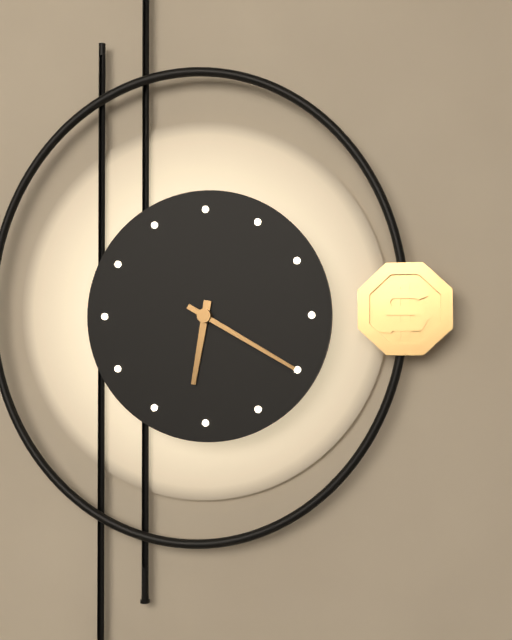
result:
{"hour": 6, "minute": 20}
